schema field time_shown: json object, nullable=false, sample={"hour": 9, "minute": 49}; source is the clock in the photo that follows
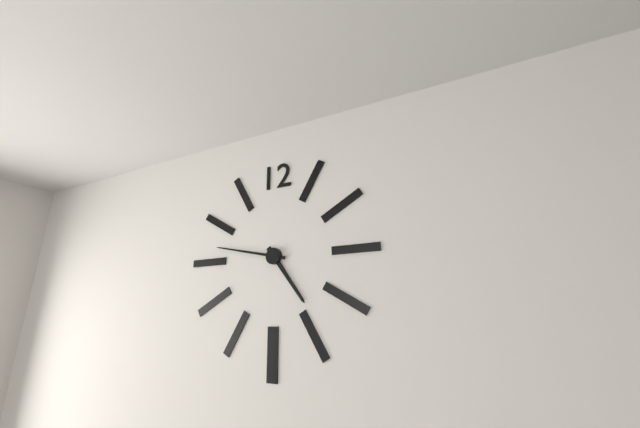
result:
{"hour": 4, "minute": 47}
